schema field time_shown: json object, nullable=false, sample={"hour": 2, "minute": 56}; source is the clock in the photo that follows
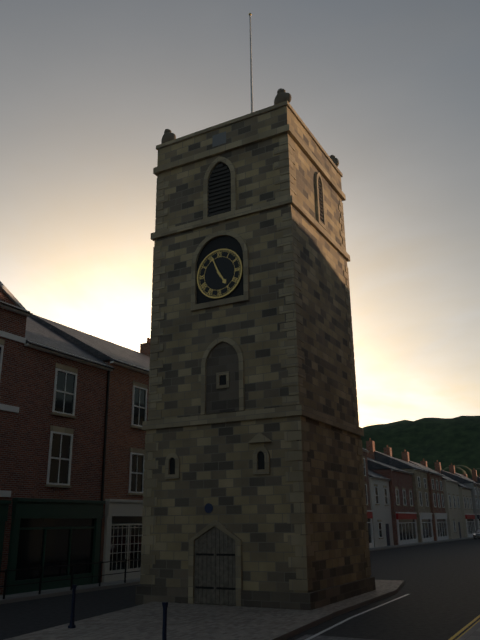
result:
{"hour": 4, "minute": 56}
